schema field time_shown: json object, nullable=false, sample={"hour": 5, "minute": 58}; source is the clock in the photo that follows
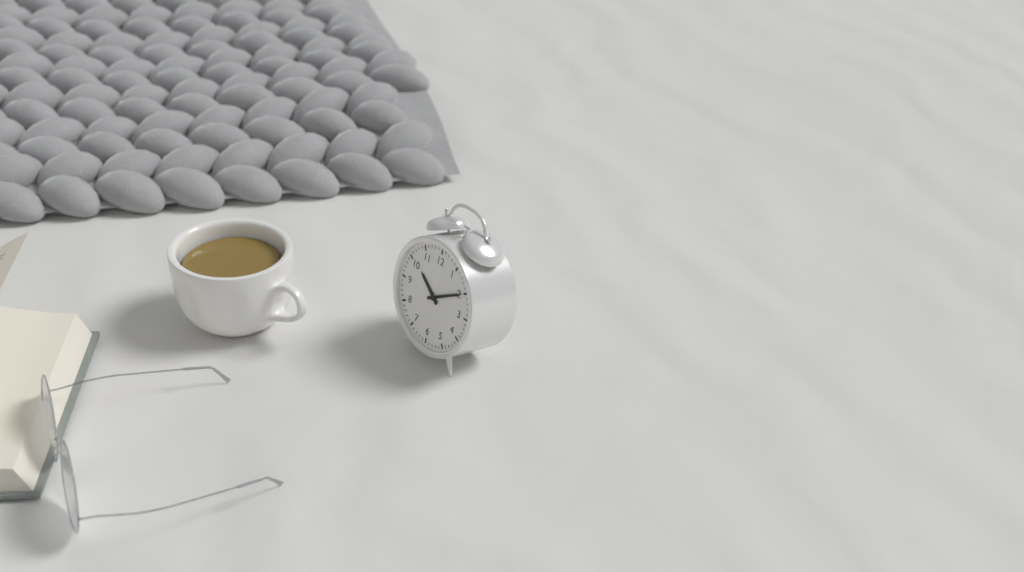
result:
{"hour": 10, "minute": 10}
